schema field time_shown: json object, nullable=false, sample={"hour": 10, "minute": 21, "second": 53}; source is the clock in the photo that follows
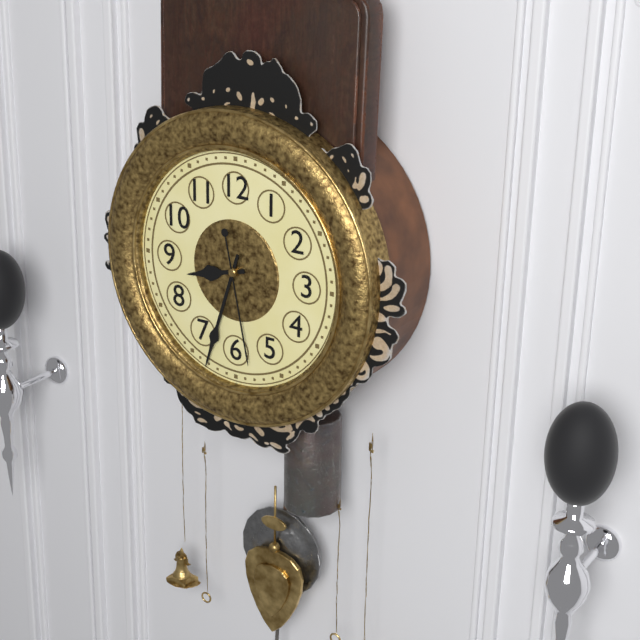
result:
{"hour": 8, "minute": 33, "second": 28}
